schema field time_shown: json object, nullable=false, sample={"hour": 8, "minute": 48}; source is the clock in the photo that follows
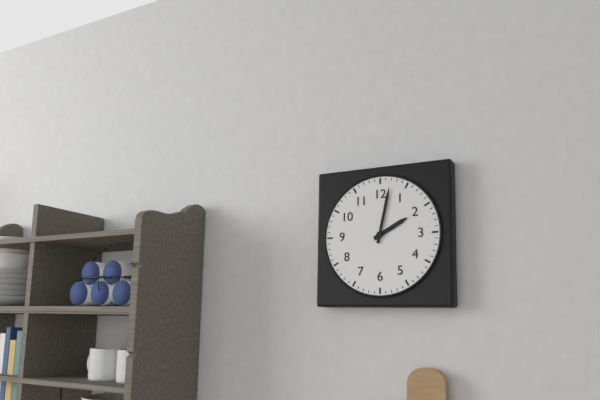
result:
{"hour": 2, "minute": 2}
